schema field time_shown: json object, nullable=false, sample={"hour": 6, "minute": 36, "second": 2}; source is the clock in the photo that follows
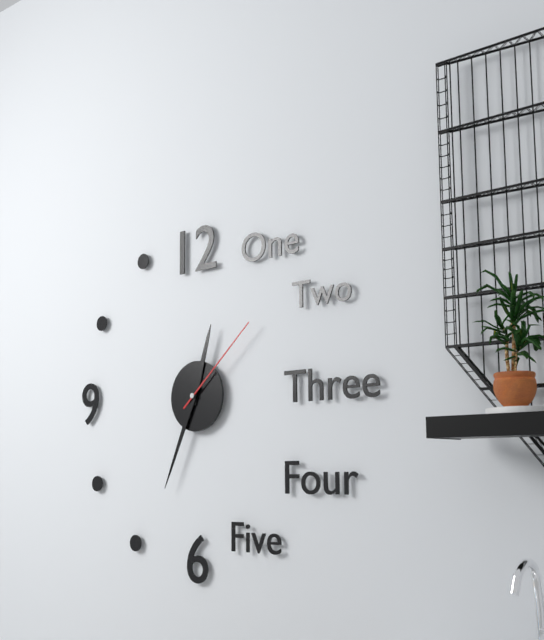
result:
{"hour": 12, "minute": 34, "second": 8}
